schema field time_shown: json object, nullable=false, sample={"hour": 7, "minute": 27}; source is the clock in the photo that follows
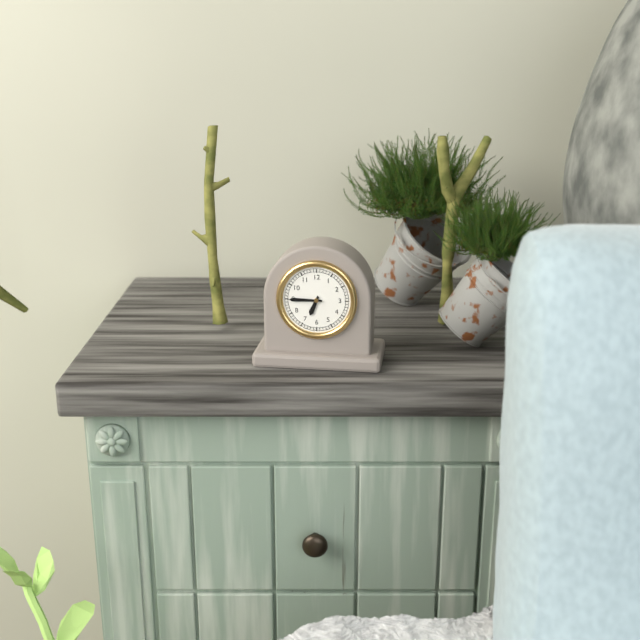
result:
{"hour": 6, "minute": 45}
